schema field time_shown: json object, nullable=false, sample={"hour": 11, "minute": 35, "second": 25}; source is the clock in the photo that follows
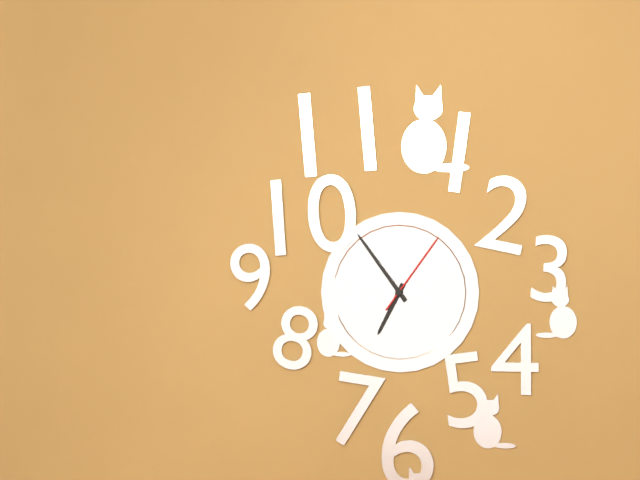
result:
{"hour": 6, "minute": 54, "second": 6}
